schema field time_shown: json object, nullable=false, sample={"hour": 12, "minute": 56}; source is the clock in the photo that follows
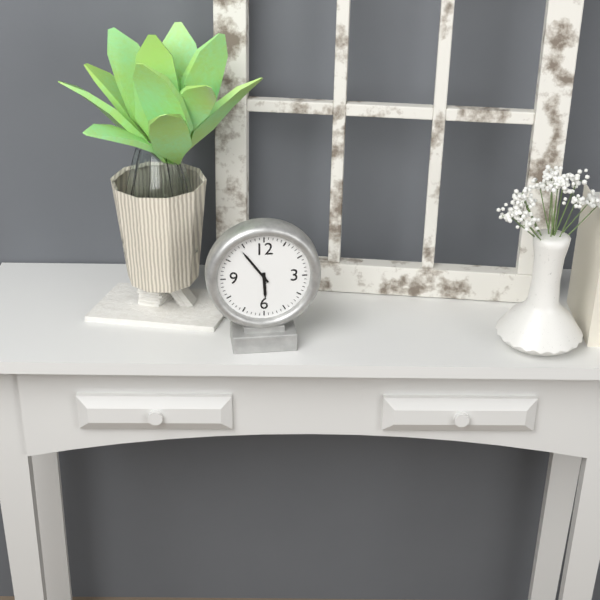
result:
{"hour": 5, "minute": 54}
